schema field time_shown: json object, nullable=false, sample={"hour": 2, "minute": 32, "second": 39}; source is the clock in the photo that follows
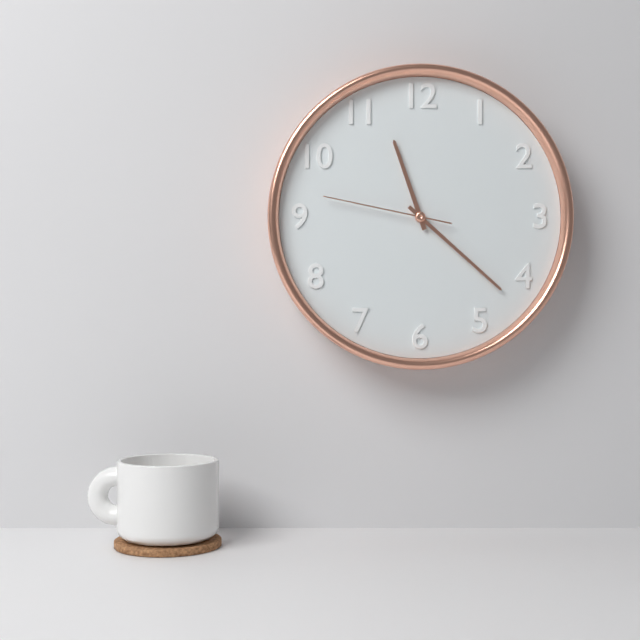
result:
{"hour": 11, "minute": 22, "second": 47}
